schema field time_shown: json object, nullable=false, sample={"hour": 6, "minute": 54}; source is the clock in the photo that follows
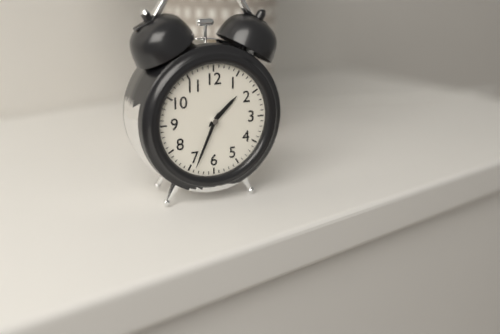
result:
{"hour": 1, "minute": 34}
